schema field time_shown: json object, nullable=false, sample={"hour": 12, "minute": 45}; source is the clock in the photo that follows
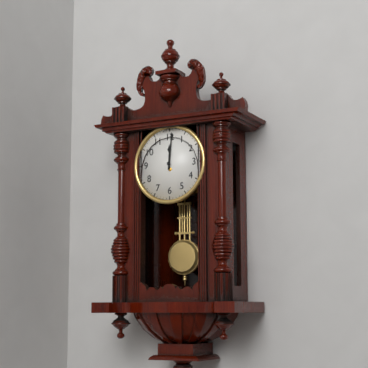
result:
{"hour": 12, "minute": 1}
